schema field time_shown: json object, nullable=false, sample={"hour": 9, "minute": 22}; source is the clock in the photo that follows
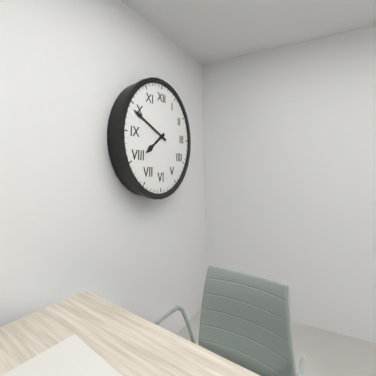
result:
{"hour": 7, "minute": 49}
